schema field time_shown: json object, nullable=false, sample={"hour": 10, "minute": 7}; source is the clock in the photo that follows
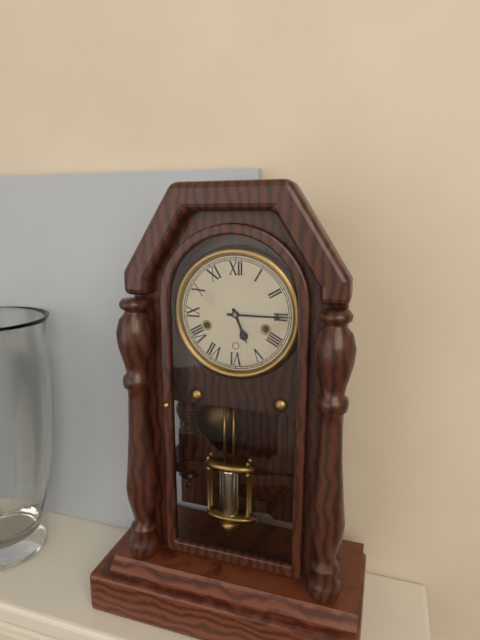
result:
{"hour": 5, "minute": 15}
